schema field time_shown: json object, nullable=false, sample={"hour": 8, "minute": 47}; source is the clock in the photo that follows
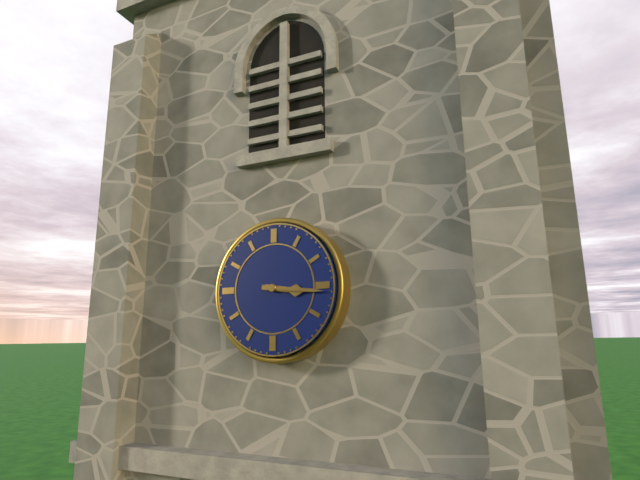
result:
{"hour": 3, "minute": 16}
